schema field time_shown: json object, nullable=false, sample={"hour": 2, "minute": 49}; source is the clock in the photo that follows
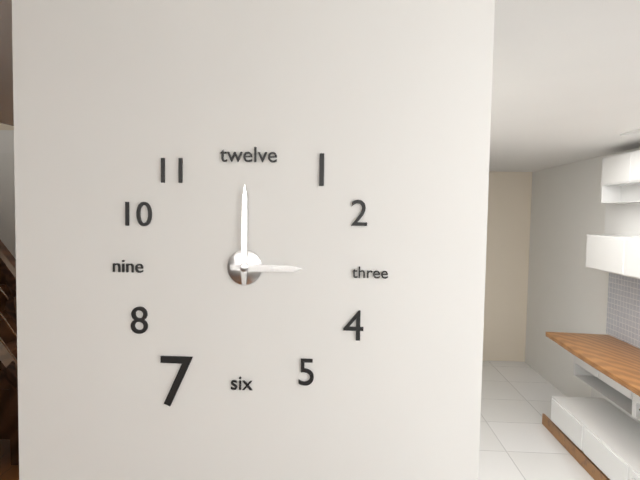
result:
{"hour": 3, "minute": 0}
